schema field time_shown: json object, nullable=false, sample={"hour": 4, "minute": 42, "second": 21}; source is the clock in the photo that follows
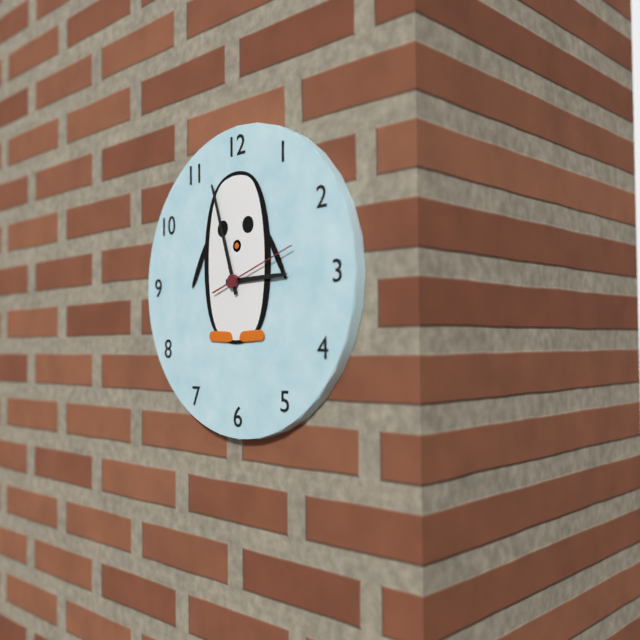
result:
{"hour": 2, "minute": 57, "second": 12}
